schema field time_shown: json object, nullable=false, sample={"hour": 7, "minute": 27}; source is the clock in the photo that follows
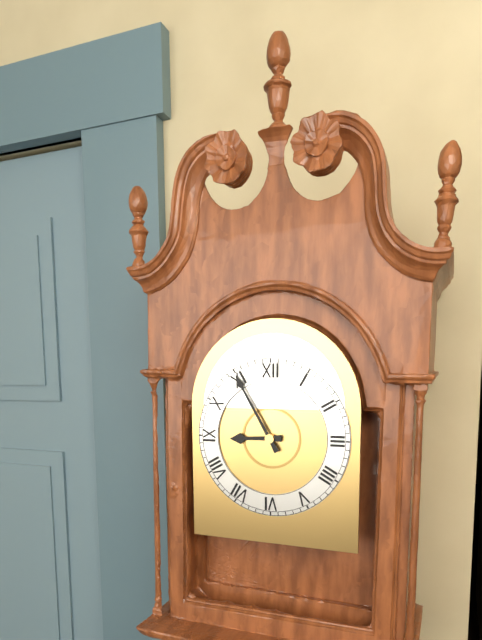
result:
{"hour": 8, "minute": 55}
